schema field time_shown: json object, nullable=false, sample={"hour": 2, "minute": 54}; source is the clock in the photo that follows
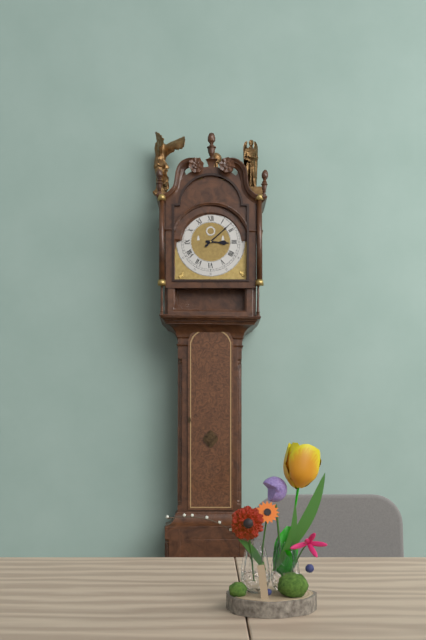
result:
{"hour": 3, "minute": 8}
